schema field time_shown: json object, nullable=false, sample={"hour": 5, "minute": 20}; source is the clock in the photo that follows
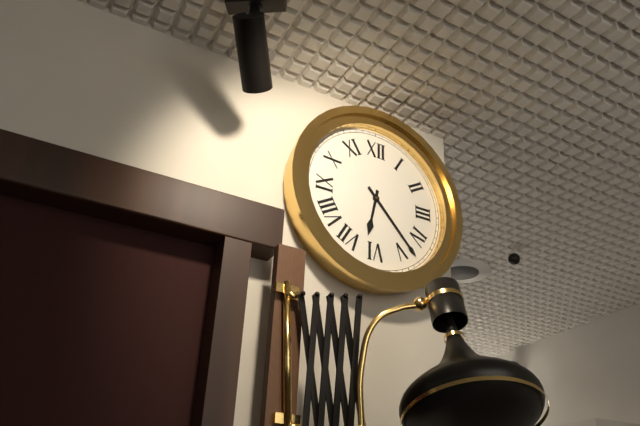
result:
{"hour": 6, "minute": 23}
